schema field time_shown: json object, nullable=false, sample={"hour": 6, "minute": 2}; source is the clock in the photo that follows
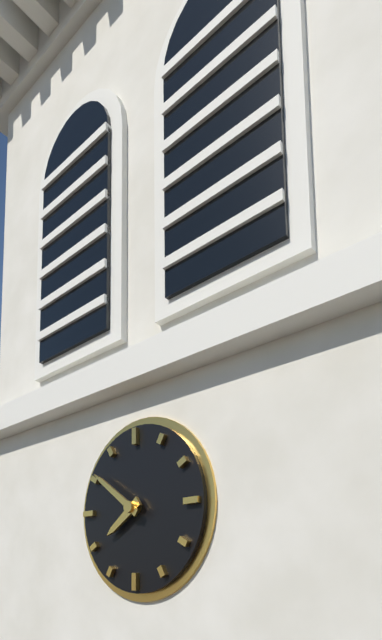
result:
{"hour": 7, "minute": 51}
